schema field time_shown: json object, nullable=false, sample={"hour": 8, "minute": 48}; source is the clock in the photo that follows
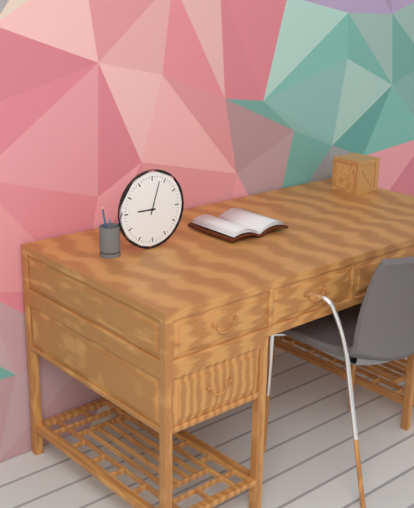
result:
{"hour": 9, "minute": 3}
